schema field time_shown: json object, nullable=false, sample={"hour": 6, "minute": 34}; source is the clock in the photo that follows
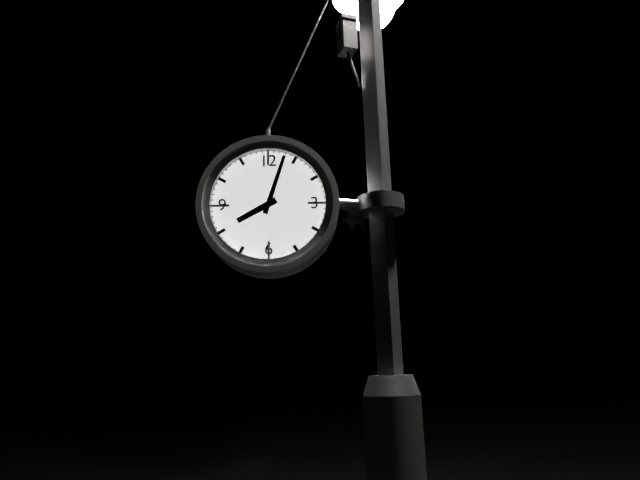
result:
{"hour": 8, "minute": 3}
